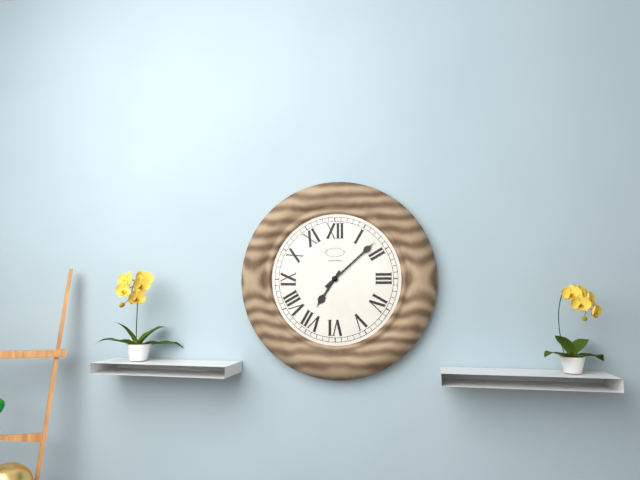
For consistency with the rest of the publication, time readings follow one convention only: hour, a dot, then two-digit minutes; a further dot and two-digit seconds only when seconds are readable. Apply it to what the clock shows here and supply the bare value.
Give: 7.08
